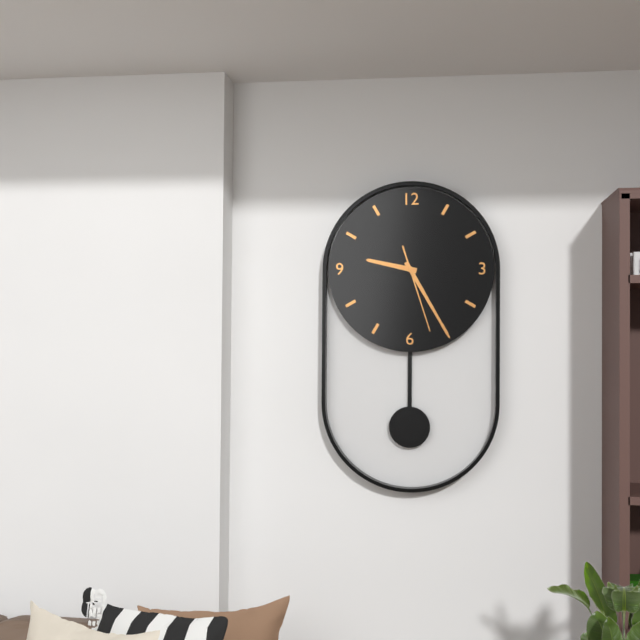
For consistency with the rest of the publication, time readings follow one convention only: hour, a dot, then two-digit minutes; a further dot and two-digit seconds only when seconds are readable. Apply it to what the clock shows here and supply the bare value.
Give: 9.25.27
